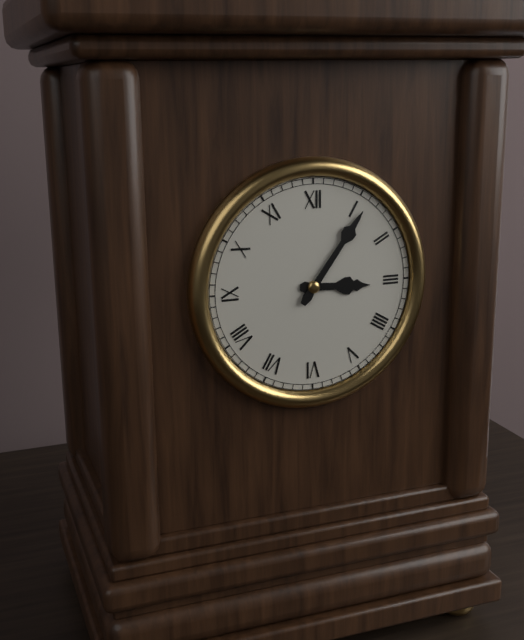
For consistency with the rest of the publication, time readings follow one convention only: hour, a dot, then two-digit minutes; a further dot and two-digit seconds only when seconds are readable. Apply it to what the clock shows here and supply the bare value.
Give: 3.06
